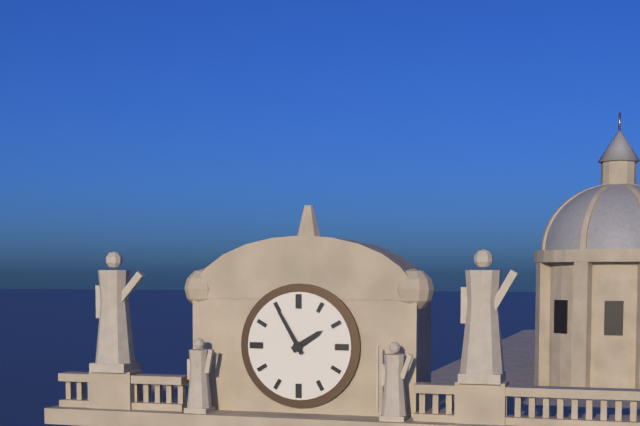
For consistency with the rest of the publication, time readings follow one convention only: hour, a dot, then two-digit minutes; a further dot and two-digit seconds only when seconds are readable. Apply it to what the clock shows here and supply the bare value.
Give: 1.55
